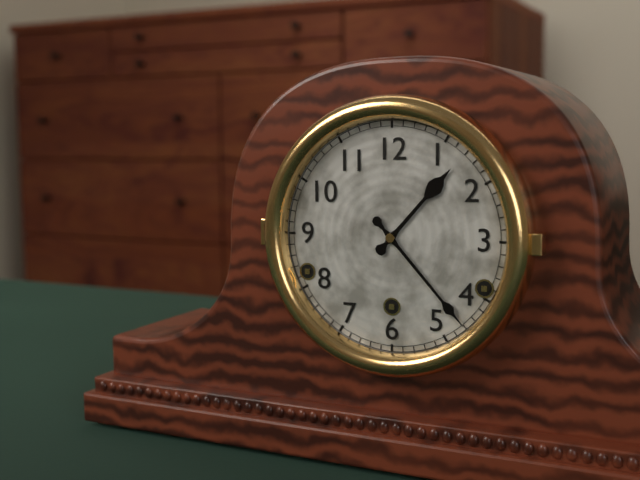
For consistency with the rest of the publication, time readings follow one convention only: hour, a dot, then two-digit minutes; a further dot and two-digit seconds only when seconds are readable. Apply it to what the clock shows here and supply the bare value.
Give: 1.23
